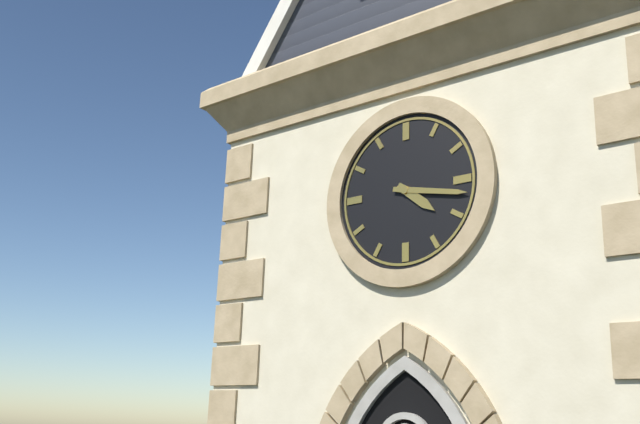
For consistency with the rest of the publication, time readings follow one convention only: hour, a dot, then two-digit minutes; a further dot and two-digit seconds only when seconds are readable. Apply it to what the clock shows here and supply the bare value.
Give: 4.17
